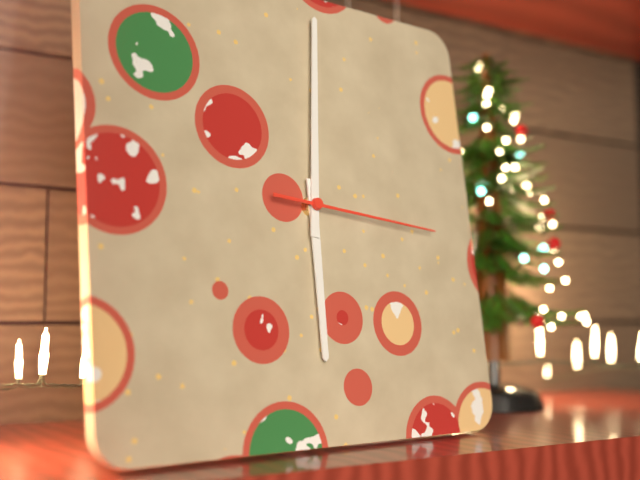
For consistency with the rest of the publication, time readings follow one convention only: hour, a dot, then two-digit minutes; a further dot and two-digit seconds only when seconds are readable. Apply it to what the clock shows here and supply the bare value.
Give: 6.01.16
